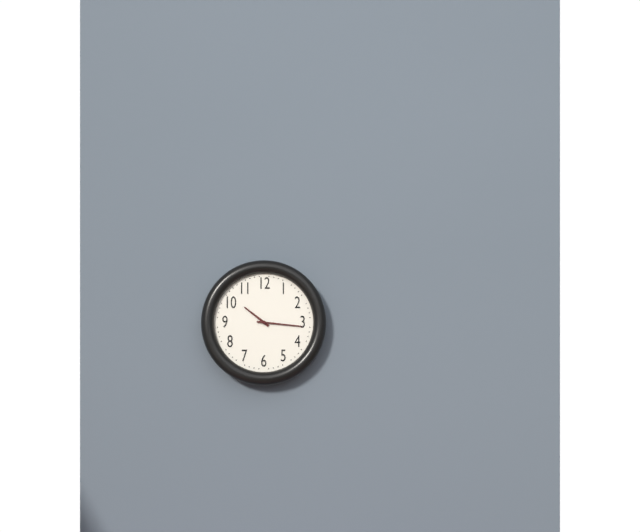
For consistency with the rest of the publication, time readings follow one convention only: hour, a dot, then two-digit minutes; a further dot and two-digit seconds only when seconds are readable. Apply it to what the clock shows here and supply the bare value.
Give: 10.16
